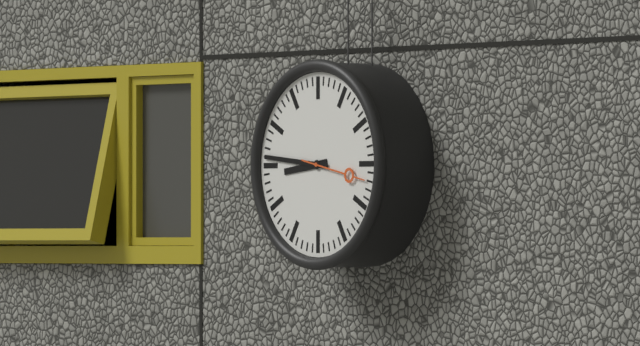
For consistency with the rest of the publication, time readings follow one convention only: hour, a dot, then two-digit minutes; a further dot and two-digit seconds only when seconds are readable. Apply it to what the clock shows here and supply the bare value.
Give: 8.46.17
